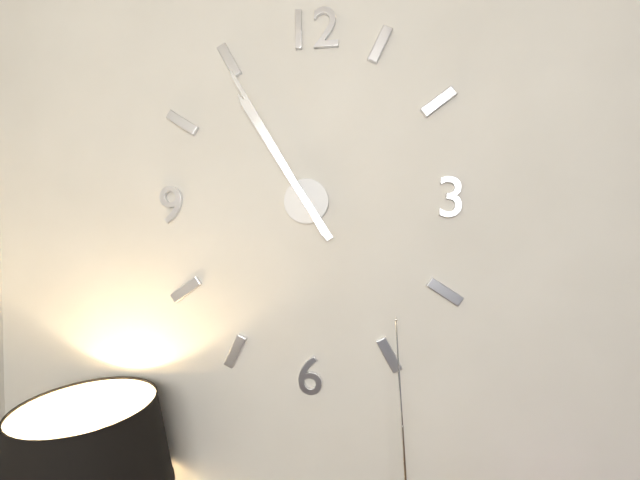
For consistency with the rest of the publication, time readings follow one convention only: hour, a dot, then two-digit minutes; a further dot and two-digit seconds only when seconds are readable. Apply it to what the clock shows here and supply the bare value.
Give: 10.55
